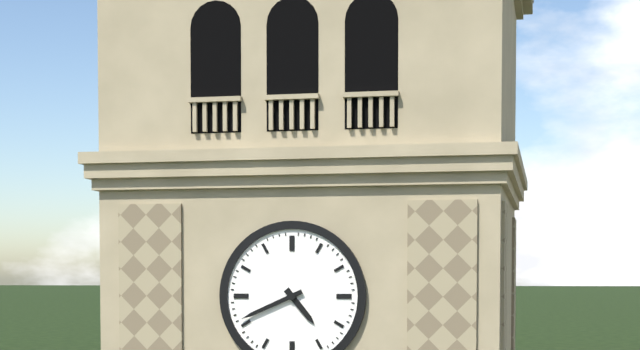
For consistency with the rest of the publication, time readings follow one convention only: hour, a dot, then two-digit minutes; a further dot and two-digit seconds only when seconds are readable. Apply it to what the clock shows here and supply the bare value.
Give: 4.41
